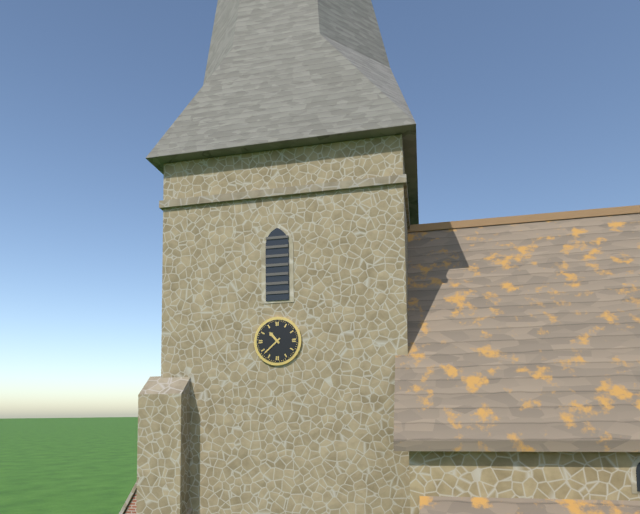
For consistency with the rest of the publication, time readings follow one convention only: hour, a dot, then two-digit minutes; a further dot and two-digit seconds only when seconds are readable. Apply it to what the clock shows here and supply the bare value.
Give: 10.38
